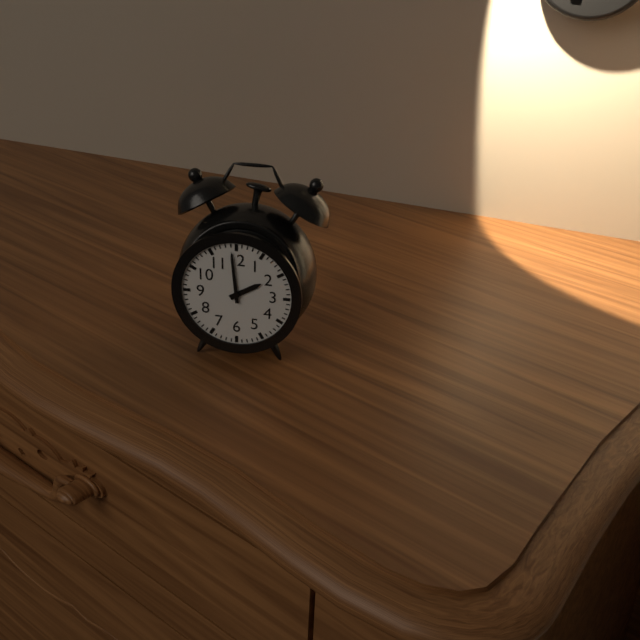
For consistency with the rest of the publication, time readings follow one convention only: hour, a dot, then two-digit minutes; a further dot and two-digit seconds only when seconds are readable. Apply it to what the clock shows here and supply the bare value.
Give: 1.59
